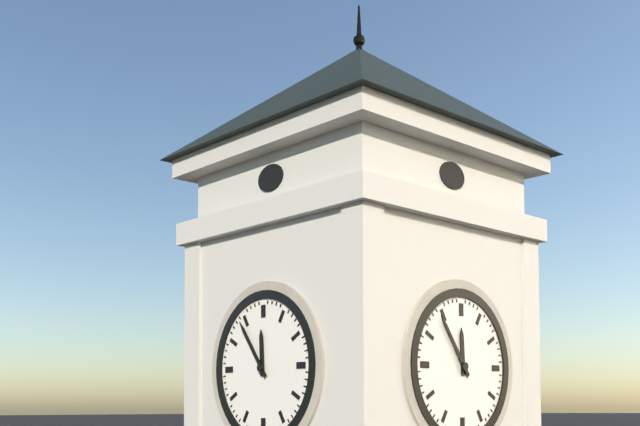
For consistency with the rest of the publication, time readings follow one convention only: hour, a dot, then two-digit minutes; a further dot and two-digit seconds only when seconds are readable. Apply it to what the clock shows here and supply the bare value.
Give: 11.54
